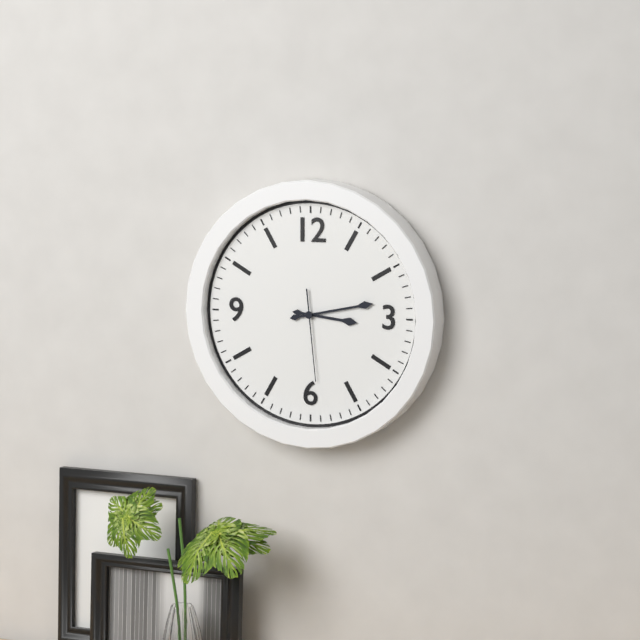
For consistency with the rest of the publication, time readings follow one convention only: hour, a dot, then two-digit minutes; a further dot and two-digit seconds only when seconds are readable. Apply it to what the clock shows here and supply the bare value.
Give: 3.13.29
